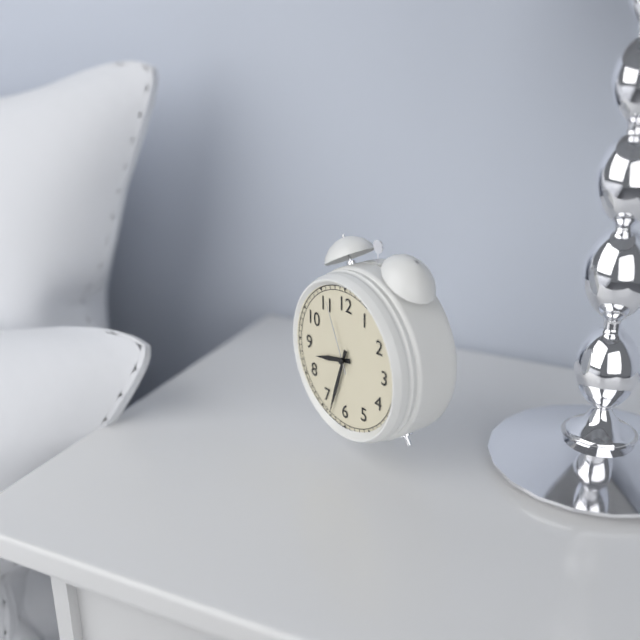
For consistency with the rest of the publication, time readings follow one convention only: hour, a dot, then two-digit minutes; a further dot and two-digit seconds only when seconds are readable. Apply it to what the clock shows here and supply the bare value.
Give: 8.33.56
